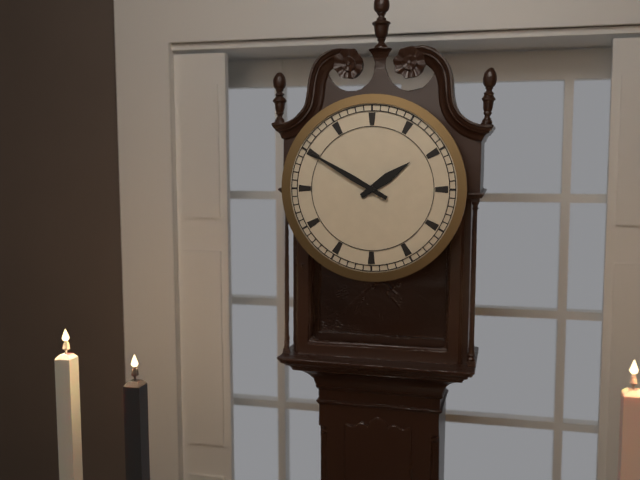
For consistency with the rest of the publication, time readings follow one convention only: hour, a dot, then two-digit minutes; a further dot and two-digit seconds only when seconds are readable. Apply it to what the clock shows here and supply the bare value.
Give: 1.50
